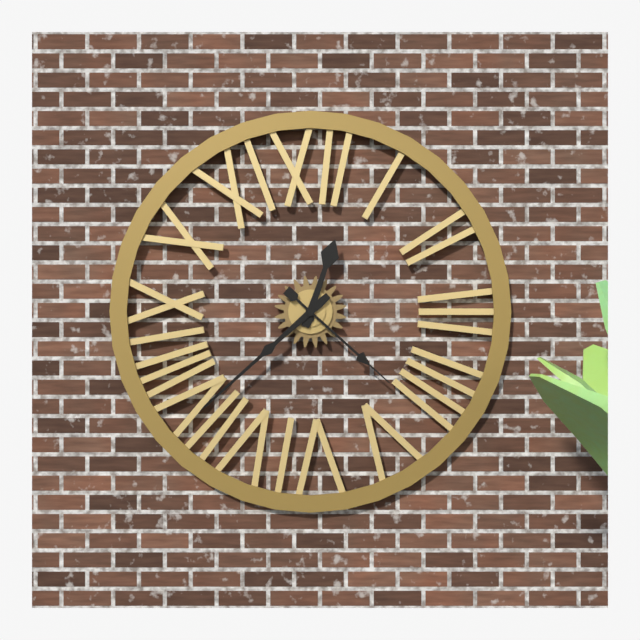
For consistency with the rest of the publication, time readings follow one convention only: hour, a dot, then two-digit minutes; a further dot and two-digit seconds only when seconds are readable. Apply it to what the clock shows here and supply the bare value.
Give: 12.38.22
